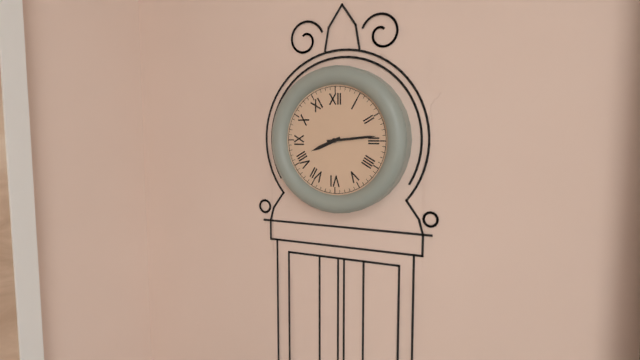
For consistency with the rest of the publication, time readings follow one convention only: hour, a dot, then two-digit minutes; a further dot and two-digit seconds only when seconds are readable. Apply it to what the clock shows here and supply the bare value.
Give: 8.14
